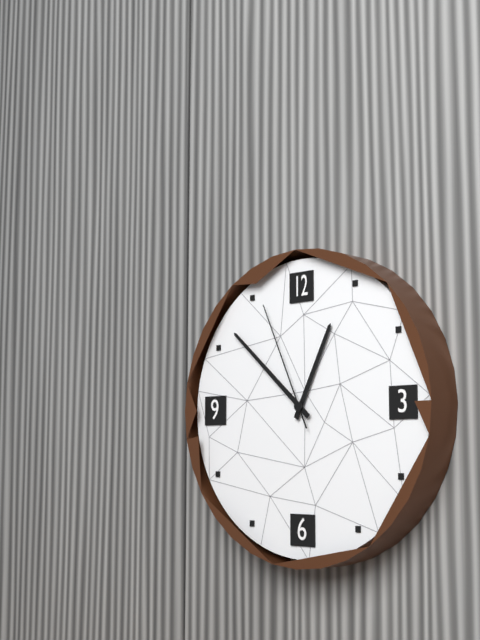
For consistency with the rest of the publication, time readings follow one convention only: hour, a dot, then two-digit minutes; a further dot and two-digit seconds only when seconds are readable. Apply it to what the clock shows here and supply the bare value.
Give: 12.52.56
